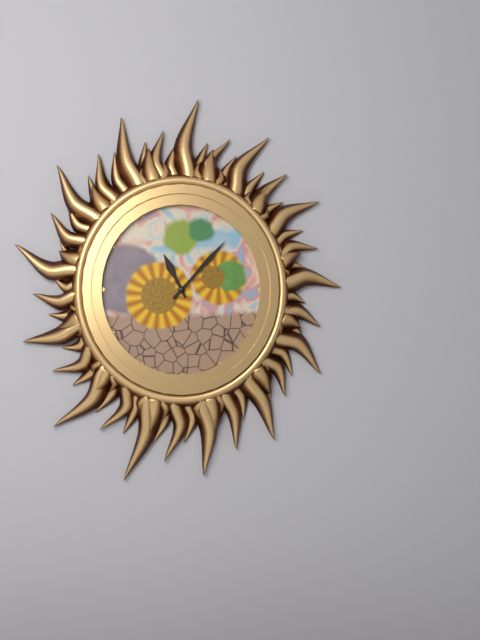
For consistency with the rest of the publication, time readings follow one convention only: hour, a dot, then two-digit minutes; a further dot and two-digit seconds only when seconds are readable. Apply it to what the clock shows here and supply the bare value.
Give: 11.07
